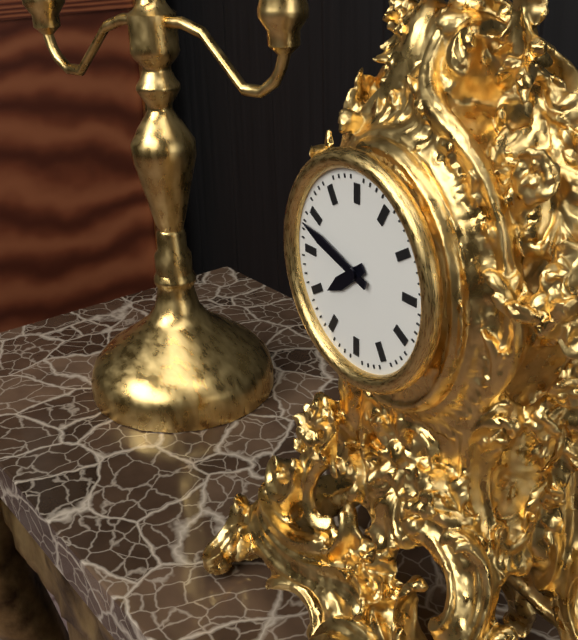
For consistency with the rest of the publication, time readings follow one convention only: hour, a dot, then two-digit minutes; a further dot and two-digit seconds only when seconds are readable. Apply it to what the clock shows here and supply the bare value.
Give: 7.48
